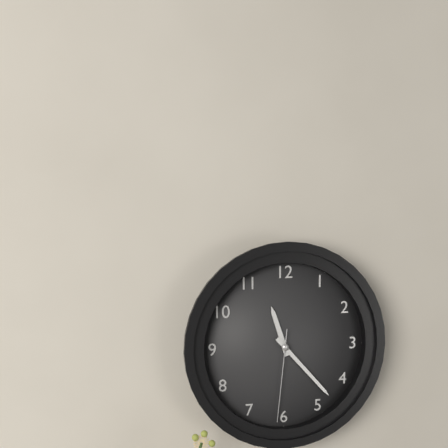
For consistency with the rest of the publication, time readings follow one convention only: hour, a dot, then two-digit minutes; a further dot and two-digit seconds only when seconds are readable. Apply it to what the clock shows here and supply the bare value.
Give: 11.23.31
